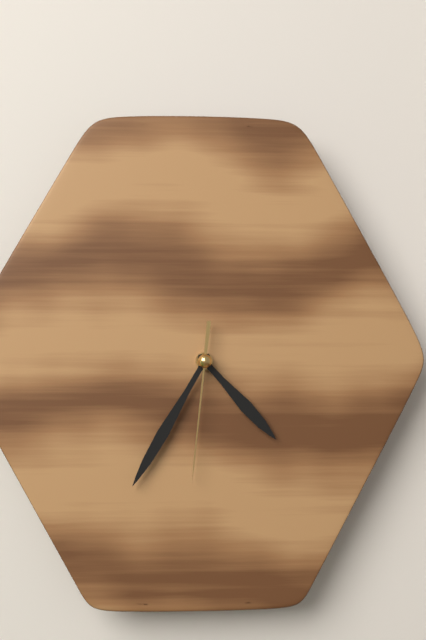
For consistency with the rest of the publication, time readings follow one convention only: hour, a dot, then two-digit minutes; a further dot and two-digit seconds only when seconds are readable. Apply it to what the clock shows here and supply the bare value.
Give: 4.35.31
